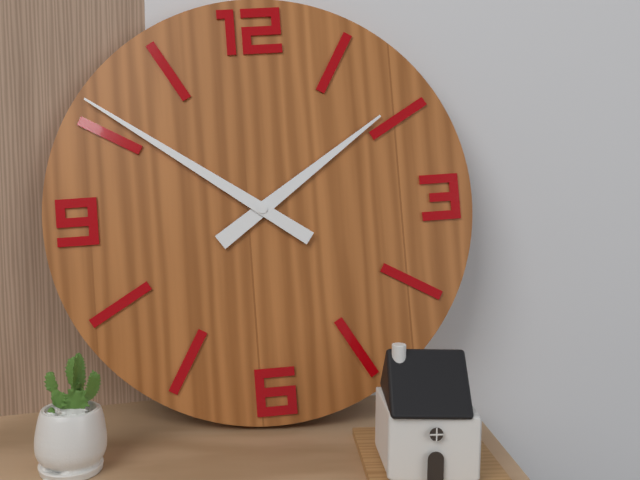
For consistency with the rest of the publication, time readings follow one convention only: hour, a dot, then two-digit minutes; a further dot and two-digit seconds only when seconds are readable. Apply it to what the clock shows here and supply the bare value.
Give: 1.51
